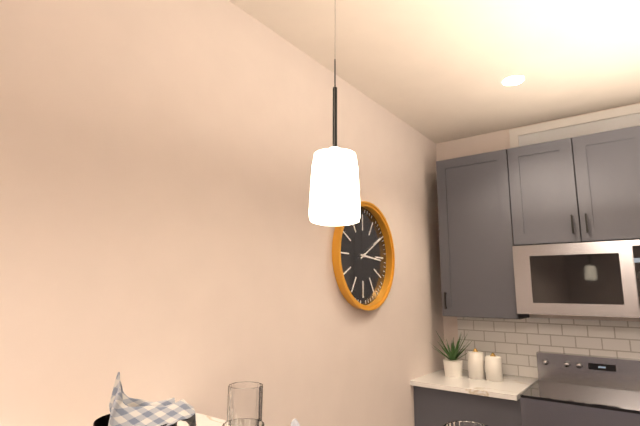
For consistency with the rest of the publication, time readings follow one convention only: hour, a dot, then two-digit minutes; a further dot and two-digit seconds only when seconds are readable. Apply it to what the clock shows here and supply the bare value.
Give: 3.10
